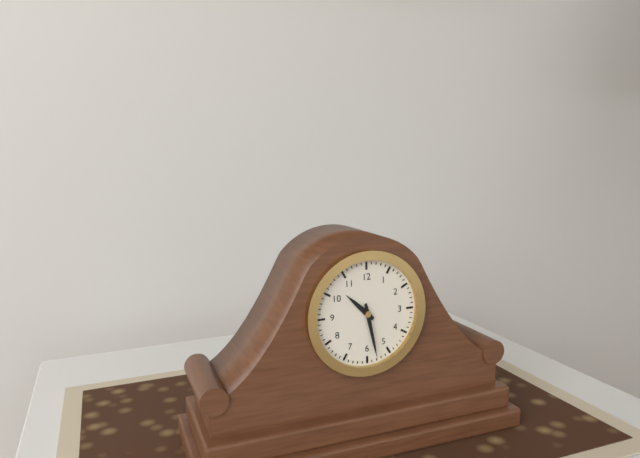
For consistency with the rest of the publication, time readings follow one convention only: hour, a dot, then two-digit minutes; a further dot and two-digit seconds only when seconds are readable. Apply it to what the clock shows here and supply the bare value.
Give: 10.28
